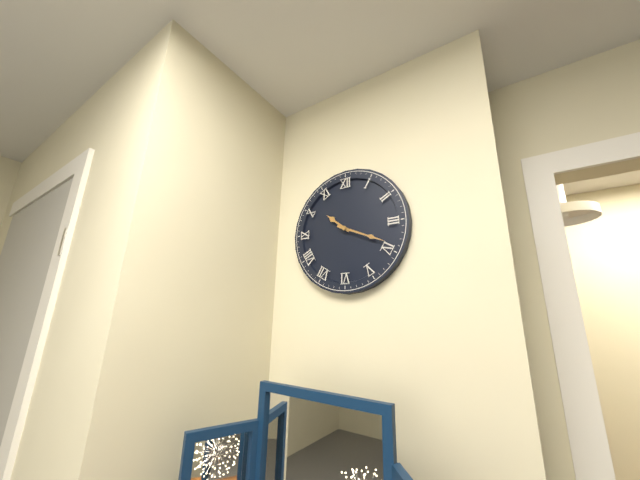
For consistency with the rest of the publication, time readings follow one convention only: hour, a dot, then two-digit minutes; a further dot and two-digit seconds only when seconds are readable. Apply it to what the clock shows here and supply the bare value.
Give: 10.19
